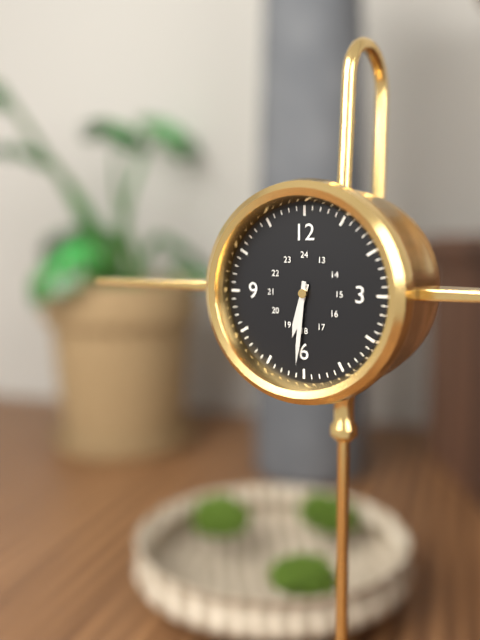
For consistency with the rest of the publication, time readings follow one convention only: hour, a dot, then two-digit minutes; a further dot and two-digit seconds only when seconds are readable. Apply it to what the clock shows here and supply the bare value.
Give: 6.31
